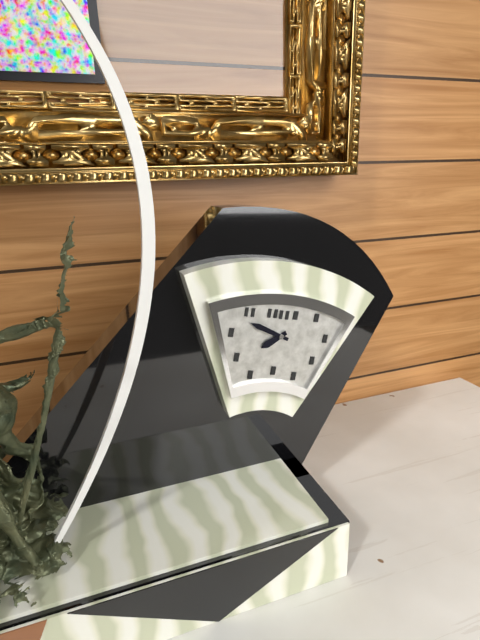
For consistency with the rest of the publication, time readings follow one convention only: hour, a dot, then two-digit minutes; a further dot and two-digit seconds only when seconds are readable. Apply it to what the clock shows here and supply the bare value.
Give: 7.48
